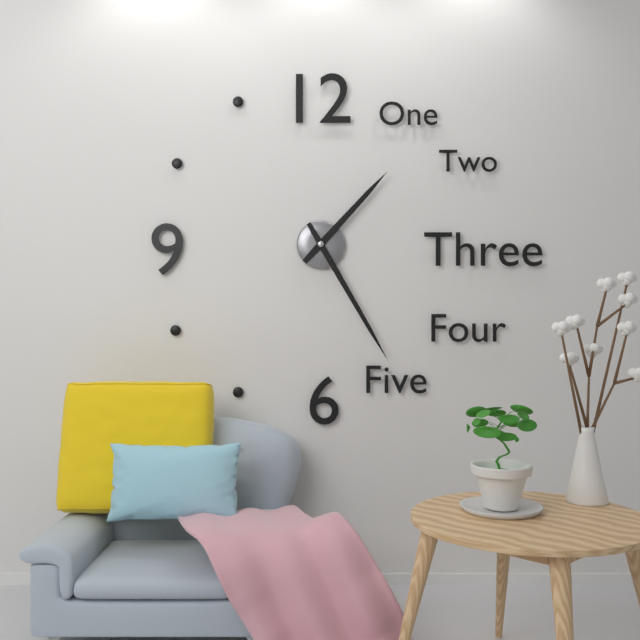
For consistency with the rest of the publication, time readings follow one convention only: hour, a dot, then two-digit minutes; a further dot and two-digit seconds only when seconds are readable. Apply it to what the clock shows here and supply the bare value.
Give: 1.25
